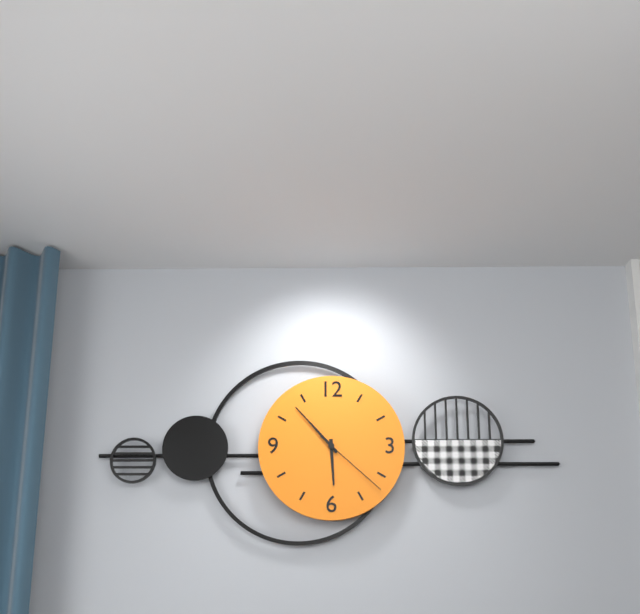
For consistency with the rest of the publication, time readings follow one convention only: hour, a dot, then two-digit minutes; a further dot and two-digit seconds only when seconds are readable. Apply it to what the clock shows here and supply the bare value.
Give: 5.53.22
